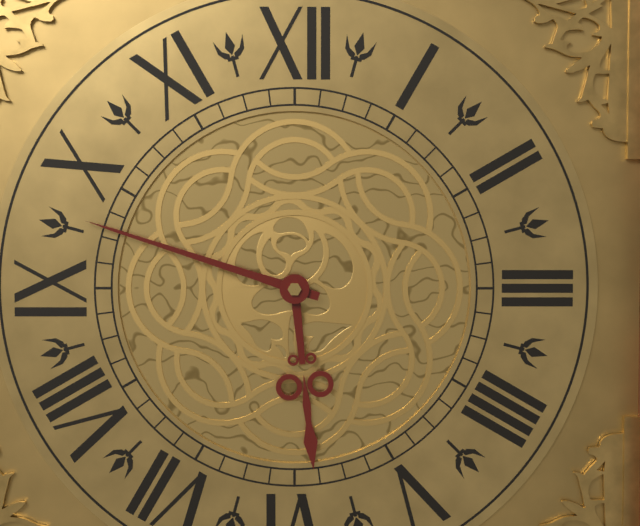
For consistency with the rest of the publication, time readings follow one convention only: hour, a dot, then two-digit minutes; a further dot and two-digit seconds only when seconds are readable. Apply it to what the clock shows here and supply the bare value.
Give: 5.48
